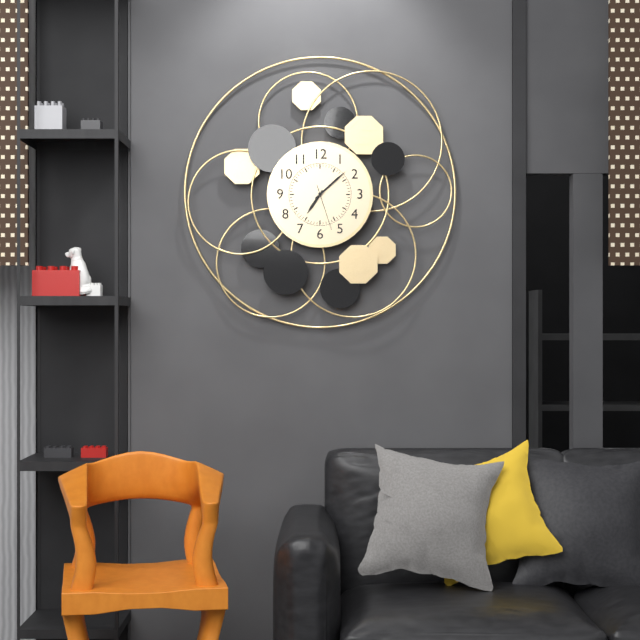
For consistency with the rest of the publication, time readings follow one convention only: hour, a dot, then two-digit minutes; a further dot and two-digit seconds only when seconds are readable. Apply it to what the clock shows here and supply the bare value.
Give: 7.08
